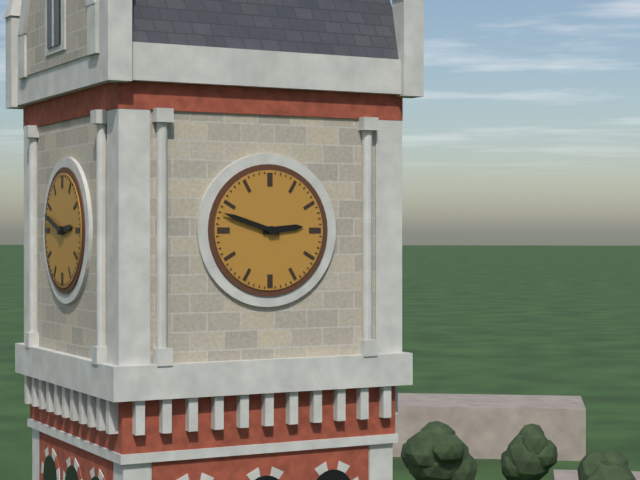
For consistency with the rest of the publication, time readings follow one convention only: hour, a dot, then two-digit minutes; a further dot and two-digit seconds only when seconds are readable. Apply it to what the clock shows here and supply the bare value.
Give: 2.48
